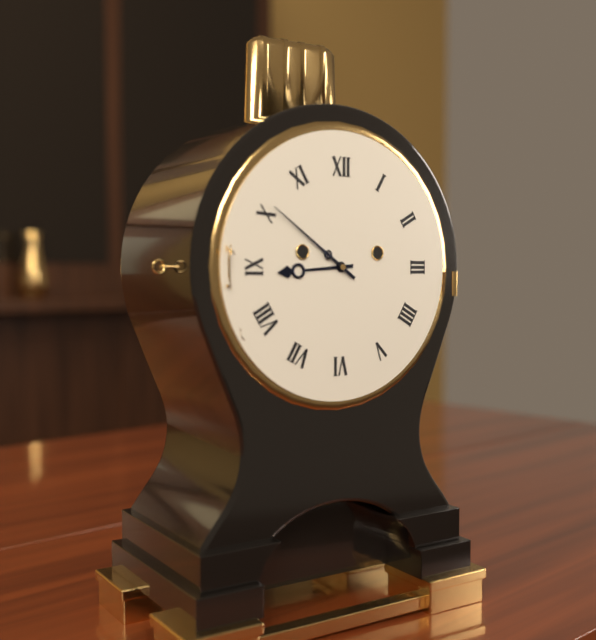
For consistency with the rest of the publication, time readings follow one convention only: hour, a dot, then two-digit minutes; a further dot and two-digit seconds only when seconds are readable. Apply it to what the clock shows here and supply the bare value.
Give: 8.51
